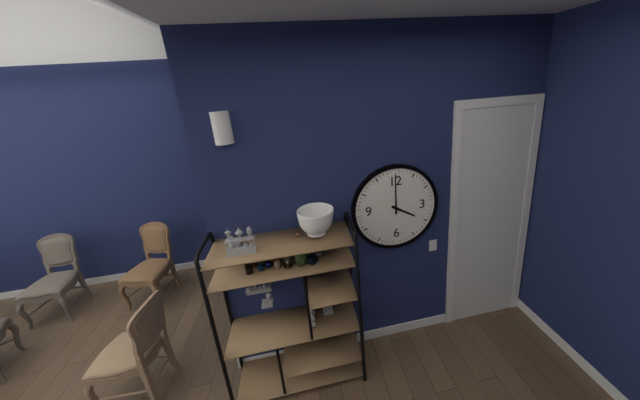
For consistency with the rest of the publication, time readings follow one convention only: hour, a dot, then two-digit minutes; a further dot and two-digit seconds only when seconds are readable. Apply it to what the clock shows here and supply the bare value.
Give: 4.00
